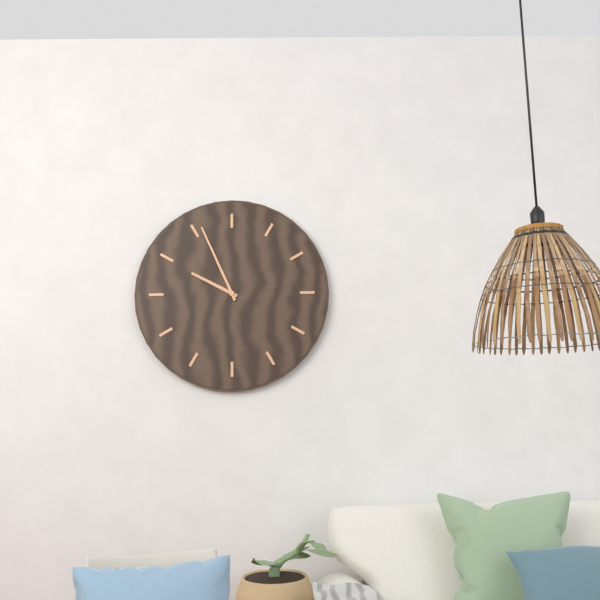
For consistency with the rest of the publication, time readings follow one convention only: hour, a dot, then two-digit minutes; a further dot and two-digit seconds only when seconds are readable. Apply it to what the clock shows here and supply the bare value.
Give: 9.56
